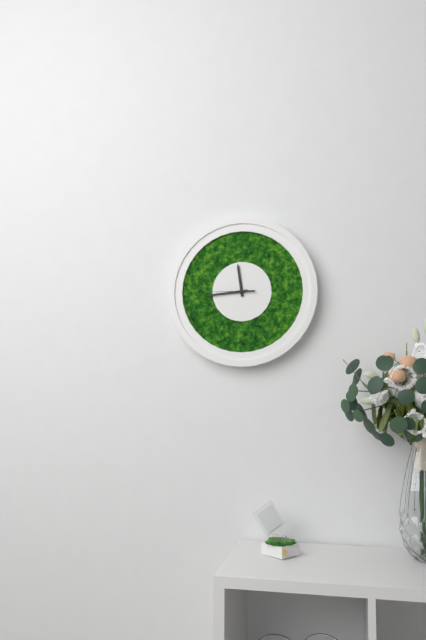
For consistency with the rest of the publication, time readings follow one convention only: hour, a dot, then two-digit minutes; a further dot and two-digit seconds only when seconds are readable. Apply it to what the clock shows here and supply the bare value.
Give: 11.44
